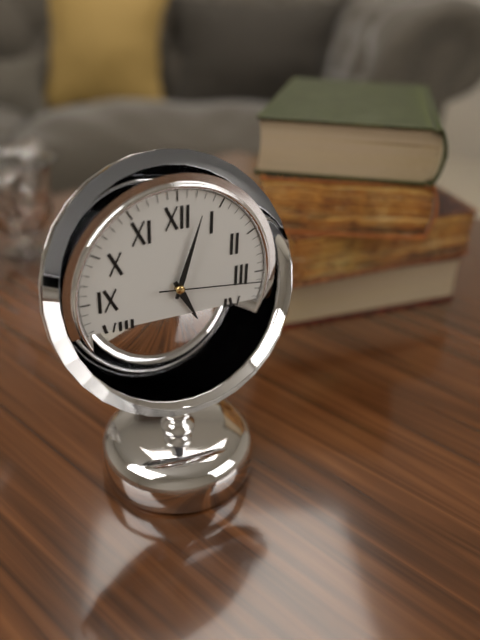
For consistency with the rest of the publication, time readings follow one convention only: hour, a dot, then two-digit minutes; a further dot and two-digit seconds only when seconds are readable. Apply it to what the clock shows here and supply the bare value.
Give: 5.03.16
